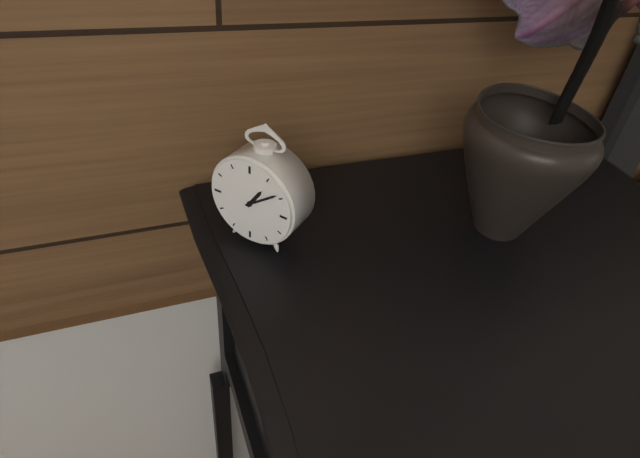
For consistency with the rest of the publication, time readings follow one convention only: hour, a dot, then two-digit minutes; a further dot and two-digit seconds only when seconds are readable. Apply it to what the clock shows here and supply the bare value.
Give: 1.09
